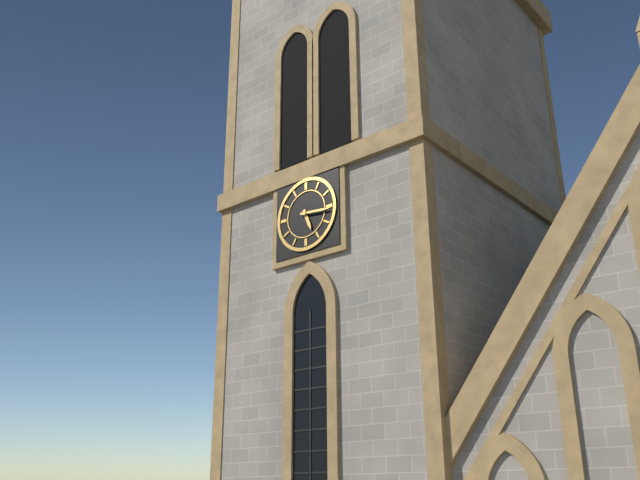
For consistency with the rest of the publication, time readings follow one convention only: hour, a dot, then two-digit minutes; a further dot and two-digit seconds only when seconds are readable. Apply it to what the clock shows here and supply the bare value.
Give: 5.16
